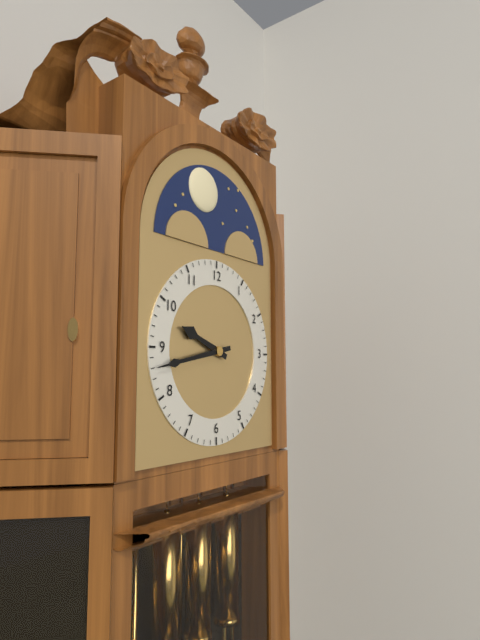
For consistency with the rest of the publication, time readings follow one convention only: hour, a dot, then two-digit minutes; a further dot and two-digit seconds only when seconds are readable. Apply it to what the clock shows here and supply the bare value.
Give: 9.43
